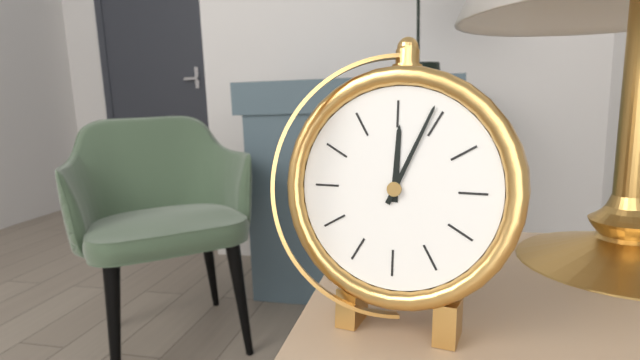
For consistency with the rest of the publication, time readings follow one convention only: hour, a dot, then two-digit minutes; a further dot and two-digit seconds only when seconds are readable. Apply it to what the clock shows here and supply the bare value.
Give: 12.04
